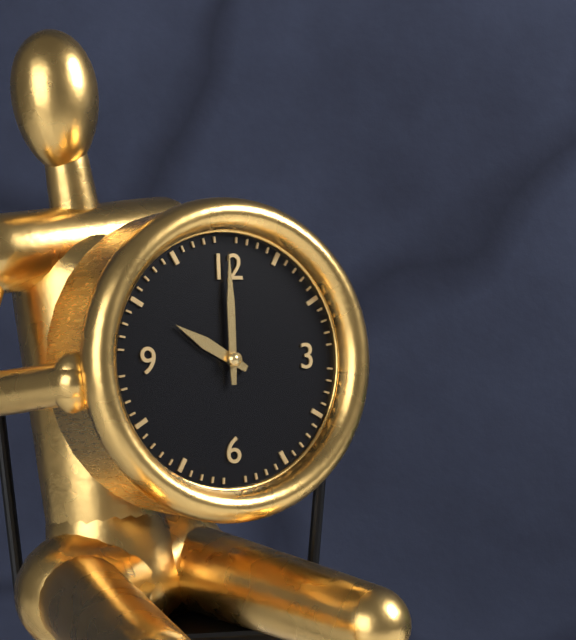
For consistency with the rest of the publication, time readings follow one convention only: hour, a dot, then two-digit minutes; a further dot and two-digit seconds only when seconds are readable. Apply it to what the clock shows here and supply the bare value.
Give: 10.00
